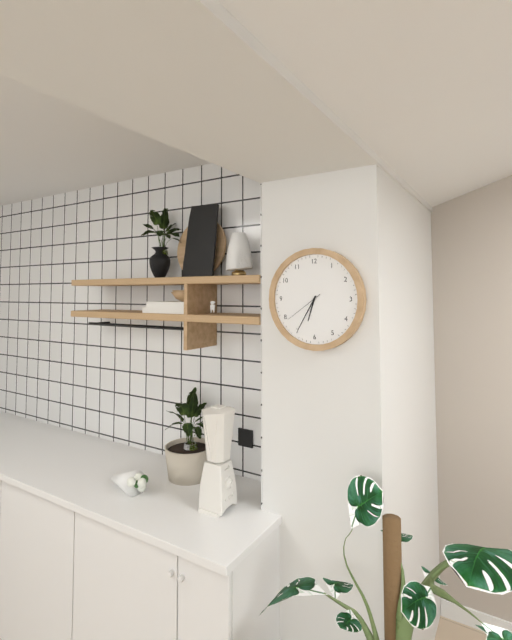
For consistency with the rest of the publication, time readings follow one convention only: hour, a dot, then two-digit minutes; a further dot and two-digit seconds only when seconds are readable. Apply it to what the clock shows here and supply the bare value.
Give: 6.35
